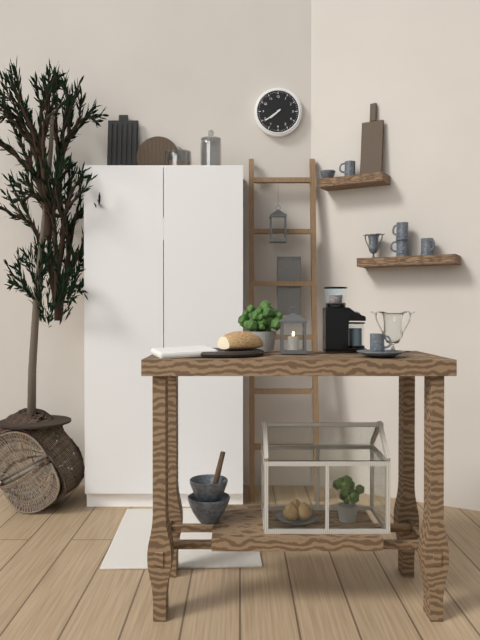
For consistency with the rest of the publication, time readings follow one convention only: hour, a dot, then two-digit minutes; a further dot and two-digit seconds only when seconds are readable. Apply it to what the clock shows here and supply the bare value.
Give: 7.39
